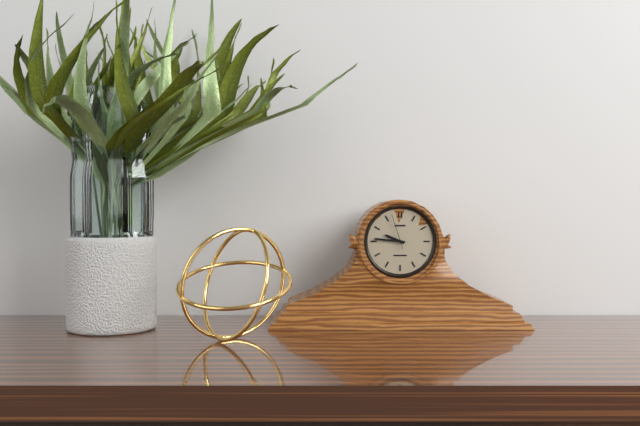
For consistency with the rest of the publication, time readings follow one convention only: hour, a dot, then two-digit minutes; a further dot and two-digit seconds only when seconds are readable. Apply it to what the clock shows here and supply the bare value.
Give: 9.46
